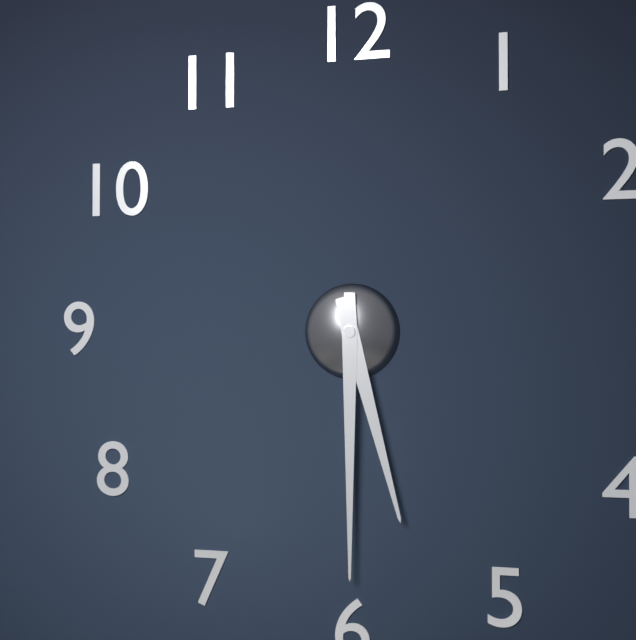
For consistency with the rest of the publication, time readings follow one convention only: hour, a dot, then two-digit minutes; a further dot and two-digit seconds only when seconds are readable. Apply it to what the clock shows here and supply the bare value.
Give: 5.30
